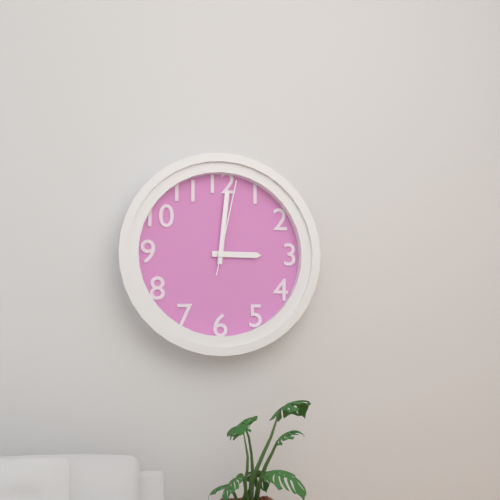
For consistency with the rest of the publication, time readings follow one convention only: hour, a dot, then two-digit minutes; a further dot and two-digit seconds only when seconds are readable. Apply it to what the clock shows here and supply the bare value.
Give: 3.01.02
